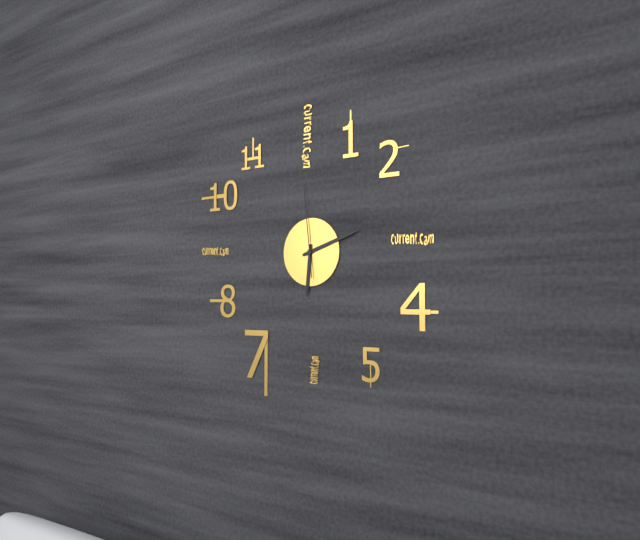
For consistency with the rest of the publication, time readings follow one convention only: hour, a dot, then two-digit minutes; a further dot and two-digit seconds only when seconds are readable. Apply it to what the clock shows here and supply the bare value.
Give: 6.12.59
